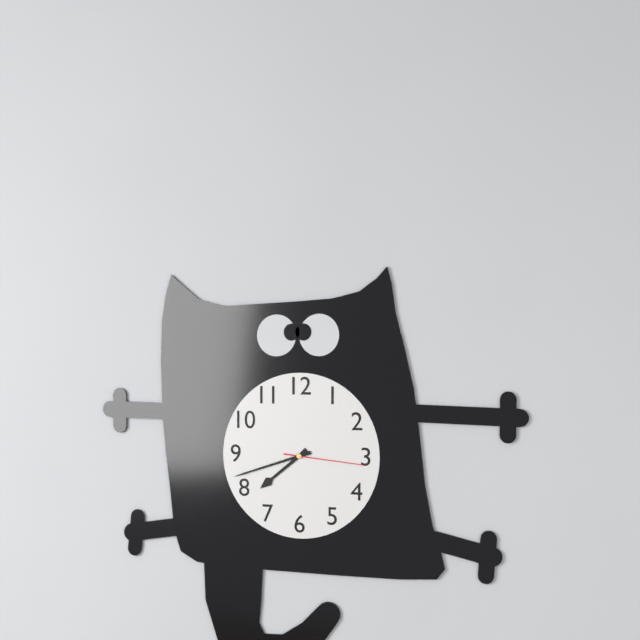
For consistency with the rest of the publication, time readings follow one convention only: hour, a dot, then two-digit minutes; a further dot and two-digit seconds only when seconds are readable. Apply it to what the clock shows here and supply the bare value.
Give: 7.42.16
